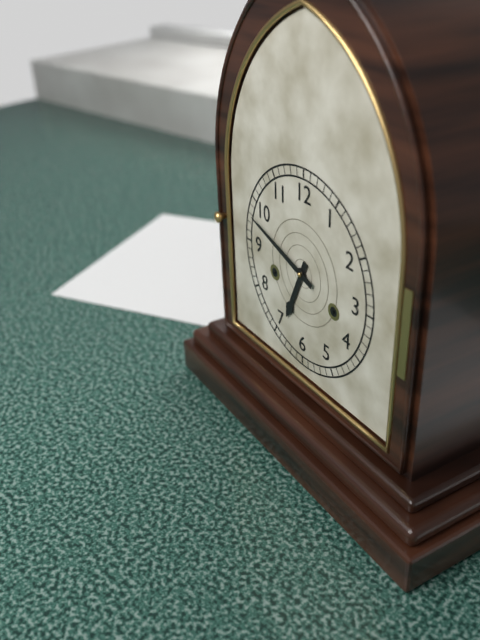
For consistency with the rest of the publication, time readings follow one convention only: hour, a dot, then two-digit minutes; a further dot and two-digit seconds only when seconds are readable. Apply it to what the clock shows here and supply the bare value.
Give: 6.48
